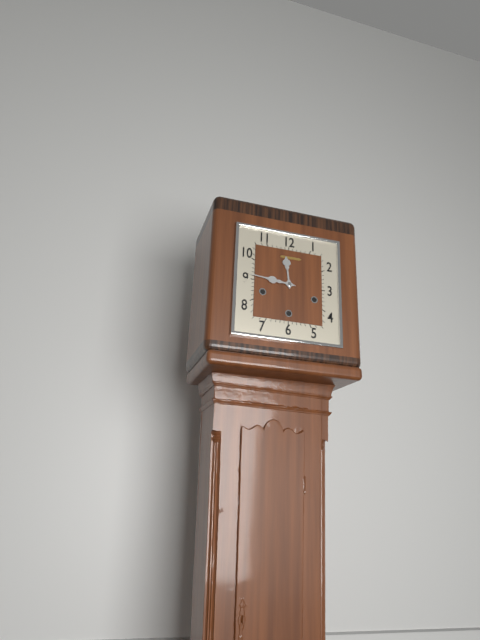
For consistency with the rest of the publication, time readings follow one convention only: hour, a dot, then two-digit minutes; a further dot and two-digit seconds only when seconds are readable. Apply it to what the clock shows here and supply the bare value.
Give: 11.46
